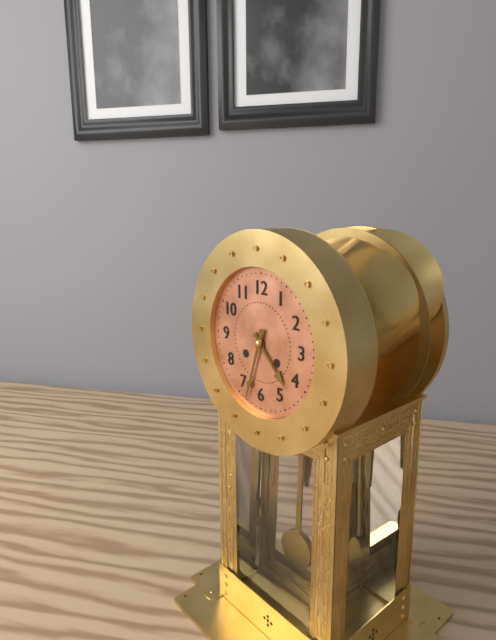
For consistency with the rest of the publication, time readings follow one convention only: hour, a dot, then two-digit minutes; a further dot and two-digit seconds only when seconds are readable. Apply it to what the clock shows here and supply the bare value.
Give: 4.33
